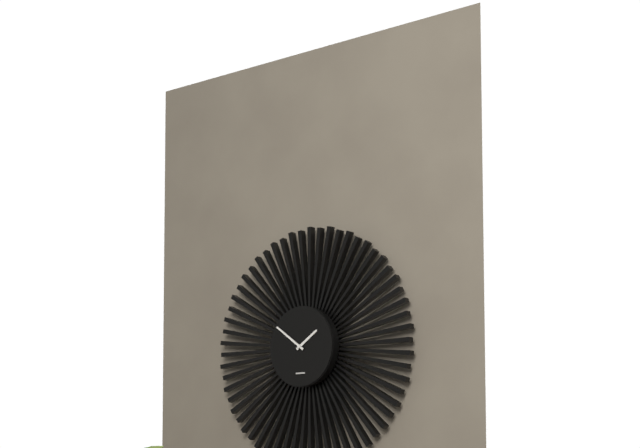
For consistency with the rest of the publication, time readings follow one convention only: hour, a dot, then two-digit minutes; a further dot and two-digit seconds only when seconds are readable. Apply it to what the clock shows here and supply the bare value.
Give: 1.51
